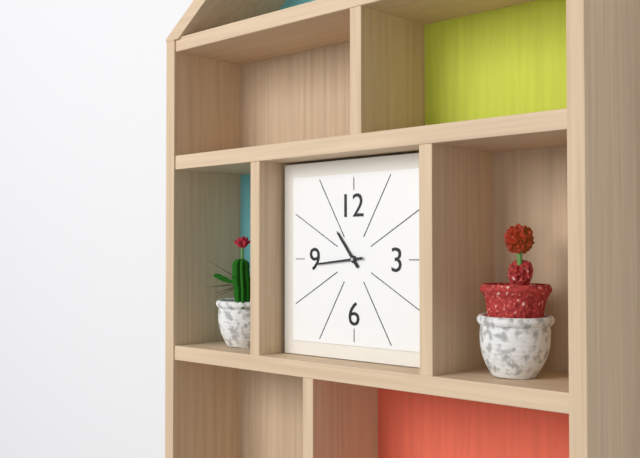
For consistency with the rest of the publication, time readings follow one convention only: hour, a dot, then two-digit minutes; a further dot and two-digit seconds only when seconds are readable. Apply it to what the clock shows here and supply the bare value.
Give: 10.44
